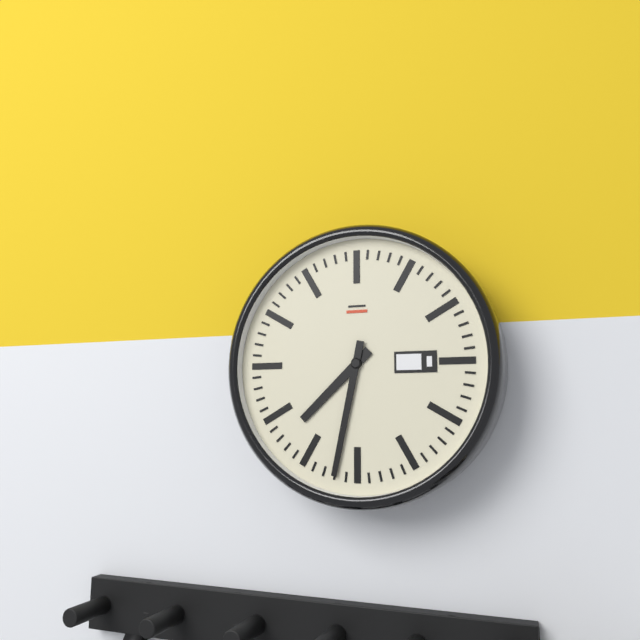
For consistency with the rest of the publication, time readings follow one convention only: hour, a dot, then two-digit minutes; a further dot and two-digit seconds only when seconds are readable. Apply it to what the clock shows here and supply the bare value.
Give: 7.32
